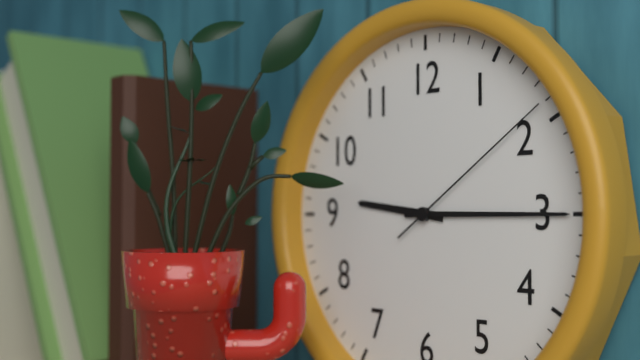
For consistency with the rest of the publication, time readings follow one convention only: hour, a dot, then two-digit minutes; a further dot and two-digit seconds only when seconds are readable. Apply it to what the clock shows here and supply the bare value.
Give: 9.15.09
